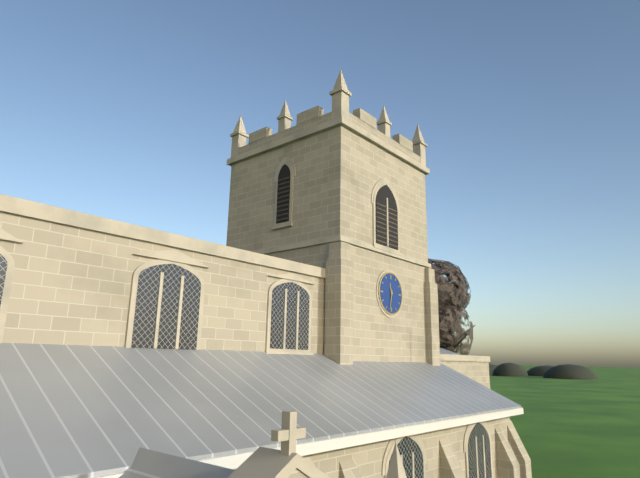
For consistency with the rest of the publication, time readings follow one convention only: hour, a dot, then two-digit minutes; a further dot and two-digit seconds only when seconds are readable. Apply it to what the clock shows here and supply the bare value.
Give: 11.32
